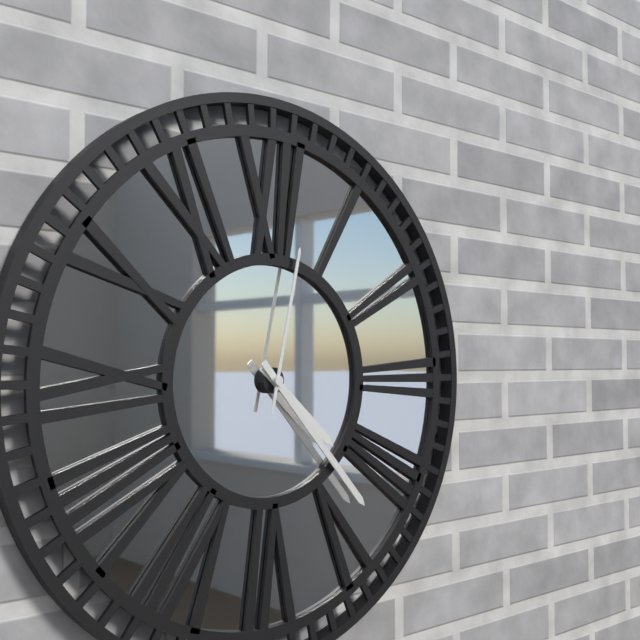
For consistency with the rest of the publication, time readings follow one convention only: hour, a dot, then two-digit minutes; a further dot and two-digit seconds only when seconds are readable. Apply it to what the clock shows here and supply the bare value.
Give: 4.23.02
